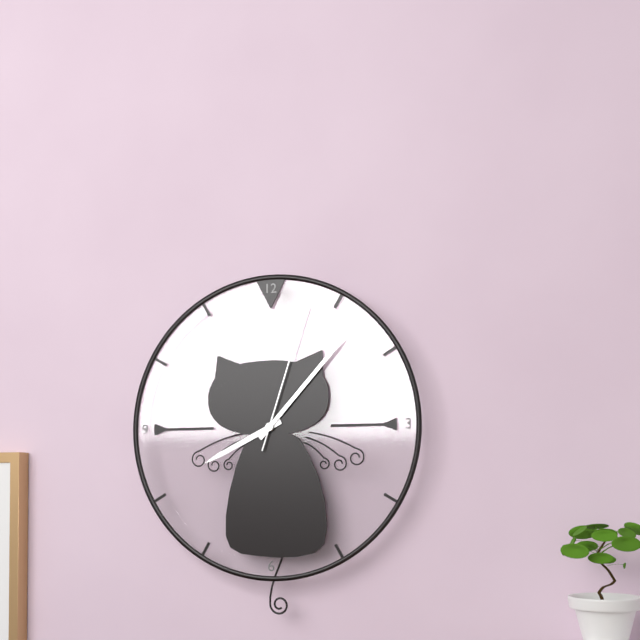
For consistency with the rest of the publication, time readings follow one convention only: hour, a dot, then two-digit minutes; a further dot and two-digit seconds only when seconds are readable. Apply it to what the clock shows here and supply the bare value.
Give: 8.07.03
